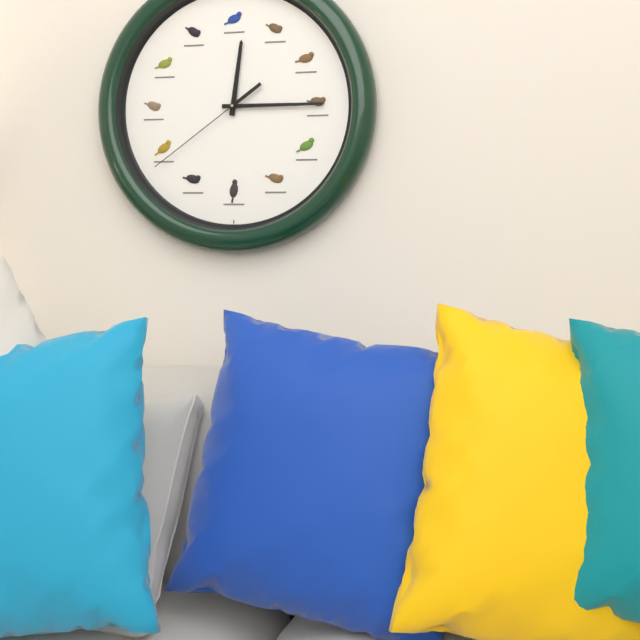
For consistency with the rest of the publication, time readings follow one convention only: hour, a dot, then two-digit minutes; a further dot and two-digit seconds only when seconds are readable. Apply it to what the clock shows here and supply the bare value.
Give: 12.15.39
